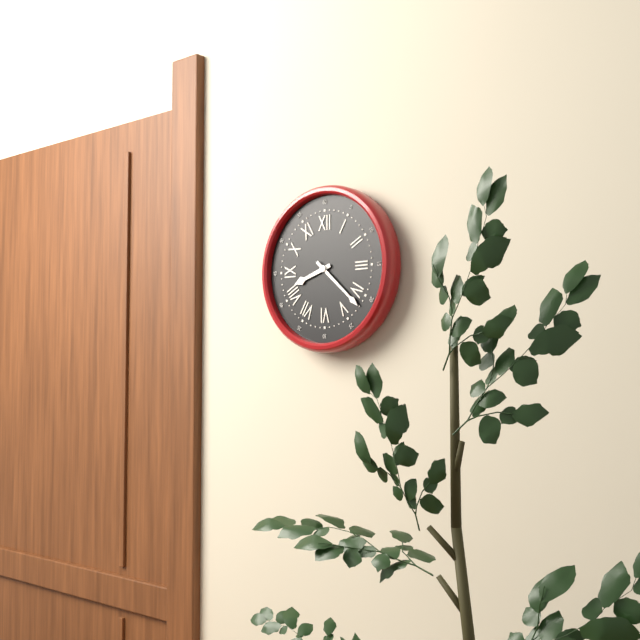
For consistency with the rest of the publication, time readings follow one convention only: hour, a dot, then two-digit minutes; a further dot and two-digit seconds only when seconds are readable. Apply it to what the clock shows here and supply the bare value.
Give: 8.22
